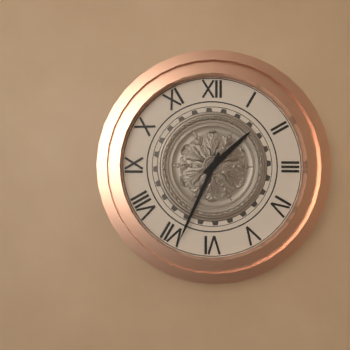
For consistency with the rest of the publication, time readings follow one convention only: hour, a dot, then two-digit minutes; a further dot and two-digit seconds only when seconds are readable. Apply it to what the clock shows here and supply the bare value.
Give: 1.34
